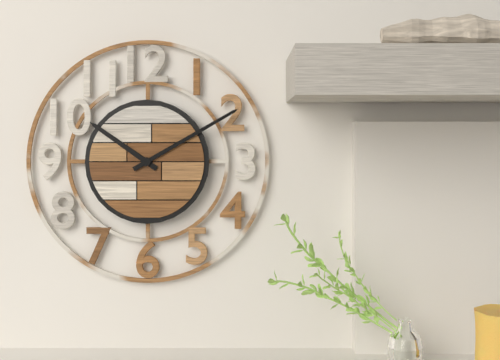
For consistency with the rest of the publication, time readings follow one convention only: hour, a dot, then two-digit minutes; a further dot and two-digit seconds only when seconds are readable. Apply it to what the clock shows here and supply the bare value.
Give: 10.10
